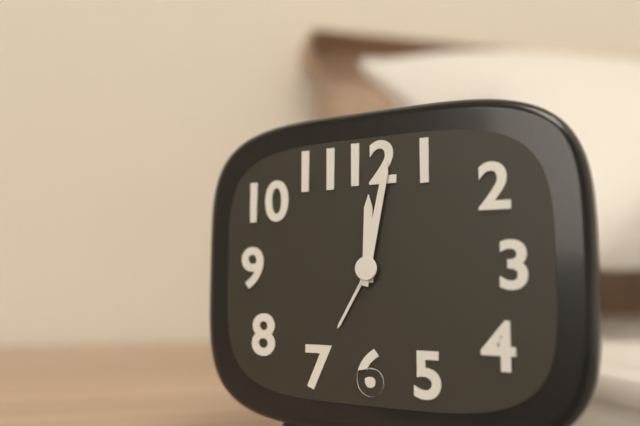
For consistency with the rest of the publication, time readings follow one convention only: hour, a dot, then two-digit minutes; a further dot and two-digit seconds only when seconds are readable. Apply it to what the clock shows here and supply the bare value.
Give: 12.02
